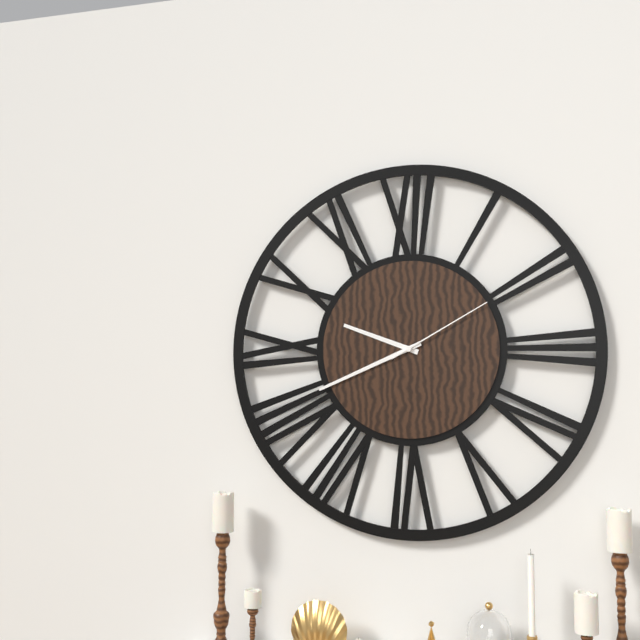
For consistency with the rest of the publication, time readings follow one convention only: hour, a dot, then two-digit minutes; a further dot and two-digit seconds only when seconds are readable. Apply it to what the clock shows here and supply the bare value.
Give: 9.41.10
